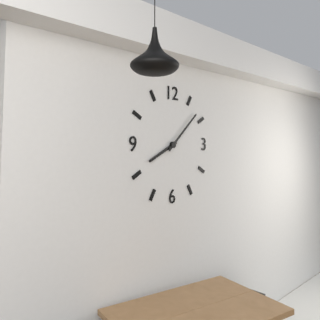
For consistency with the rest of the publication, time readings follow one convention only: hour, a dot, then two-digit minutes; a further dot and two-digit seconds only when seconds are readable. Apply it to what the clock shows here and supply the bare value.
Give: 8.08
